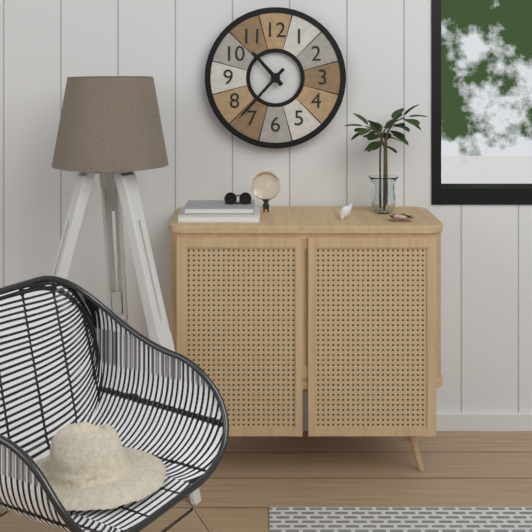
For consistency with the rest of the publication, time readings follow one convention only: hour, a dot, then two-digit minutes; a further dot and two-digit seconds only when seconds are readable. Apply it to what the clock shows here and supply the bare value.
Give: 10.37
